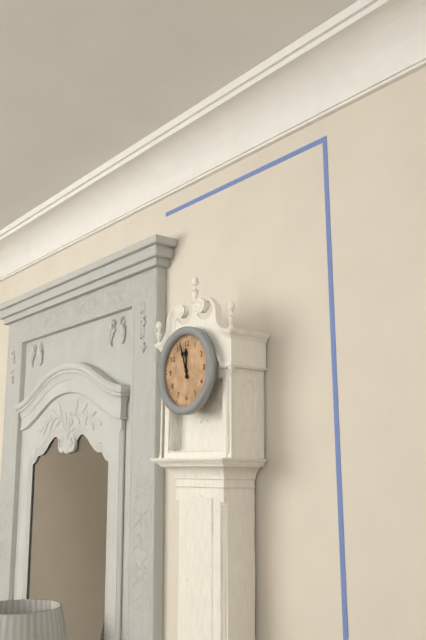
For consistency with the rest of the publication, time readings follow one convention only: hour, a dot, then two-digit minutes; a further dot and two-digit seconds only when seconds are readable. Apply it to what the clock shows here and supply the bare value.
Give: 11.57
